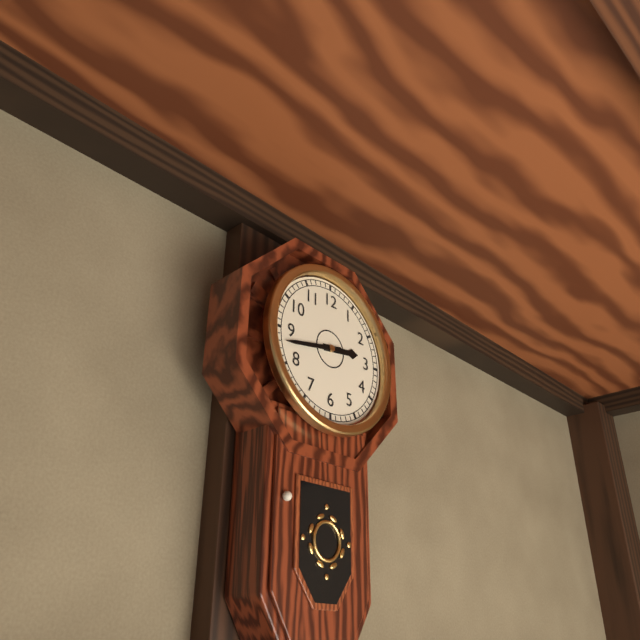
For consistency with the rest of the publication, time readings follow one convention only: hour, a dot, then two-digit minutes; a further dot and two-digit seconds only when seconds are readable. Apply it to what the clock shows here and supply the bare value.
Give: 2.43
